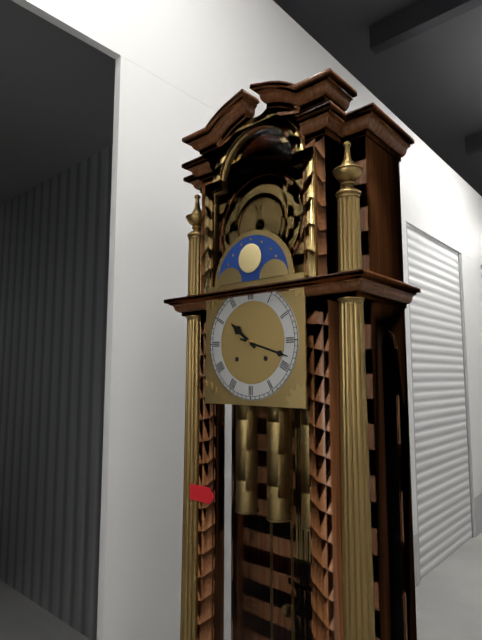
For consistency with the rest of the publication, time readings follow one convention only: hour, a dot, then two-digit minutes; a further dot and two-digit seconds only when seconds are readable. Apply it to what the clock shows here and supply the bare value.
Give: 10.18
